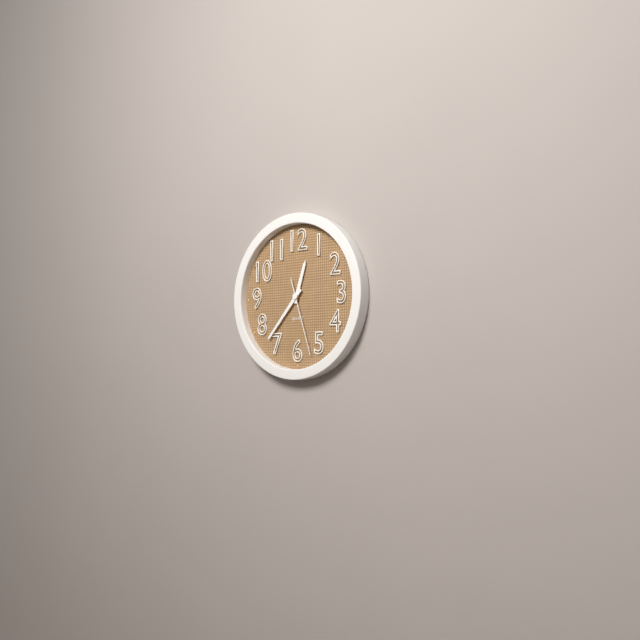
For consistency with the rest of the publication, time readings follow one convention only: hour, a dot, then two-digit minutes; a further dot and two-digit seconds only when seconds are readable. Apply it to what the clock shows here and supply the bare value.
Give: 12.37.27
